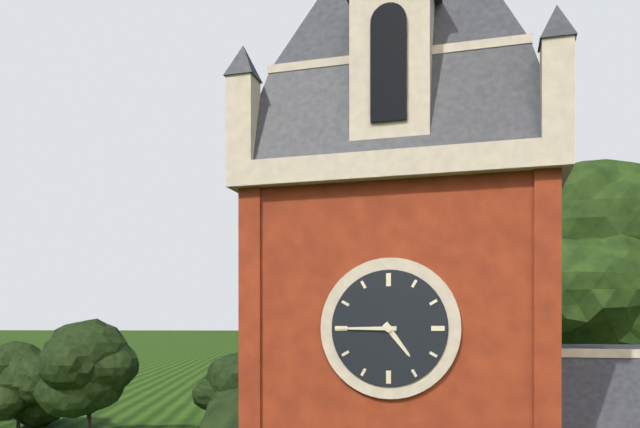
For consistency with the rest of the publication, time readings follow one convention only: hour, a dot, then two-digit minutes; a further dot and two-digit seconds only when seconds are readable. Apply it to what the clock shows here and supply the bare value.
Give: 4.45
